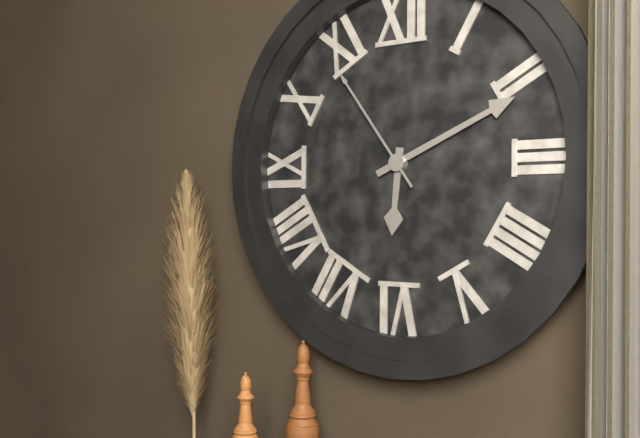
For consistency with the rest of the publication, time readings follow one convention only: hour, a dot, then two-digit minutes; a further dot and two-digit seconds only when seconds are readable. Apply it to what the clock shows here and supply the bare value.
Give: 6.11.54
